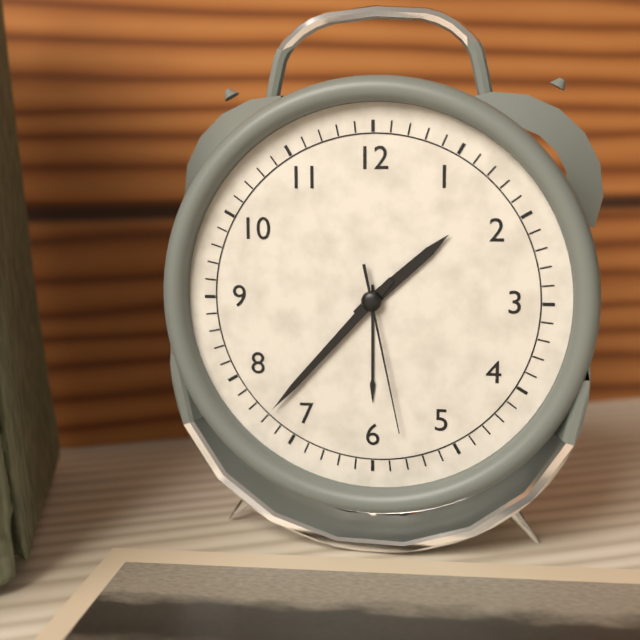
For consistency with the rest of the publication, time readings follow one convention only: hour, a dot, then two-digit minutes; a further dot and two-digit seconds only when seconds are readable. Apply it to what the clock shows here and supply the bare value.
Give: 1.37.28
